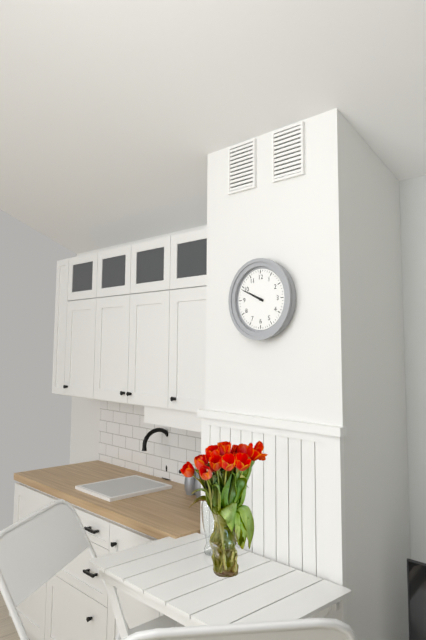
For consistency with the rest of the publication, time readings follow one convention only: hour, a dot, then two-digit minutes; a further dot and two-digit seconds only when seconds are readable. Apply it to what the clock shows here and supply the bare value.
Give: 9.49
